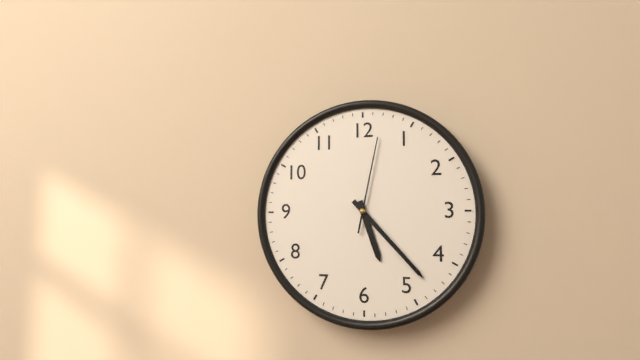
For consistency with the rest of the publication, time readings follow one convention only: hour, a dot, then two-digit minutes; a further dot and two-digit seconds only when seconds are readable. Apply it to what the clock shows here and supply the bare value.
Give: 5.23.02
